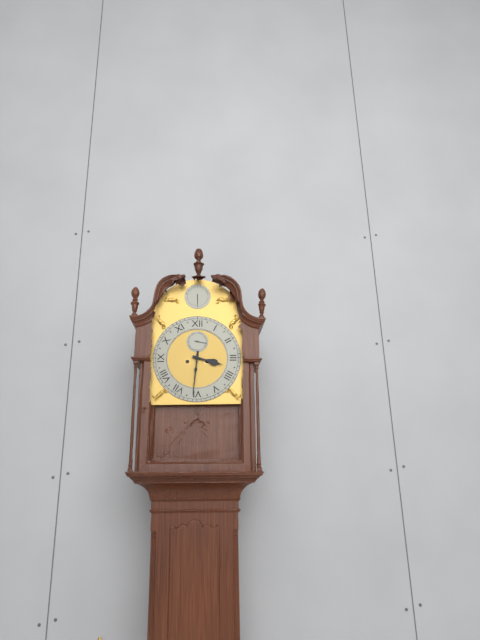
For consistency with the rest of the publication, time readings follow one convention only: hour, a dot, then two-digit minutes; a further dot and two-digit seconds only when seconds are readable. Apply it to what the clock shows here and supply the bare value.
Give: 3.31
